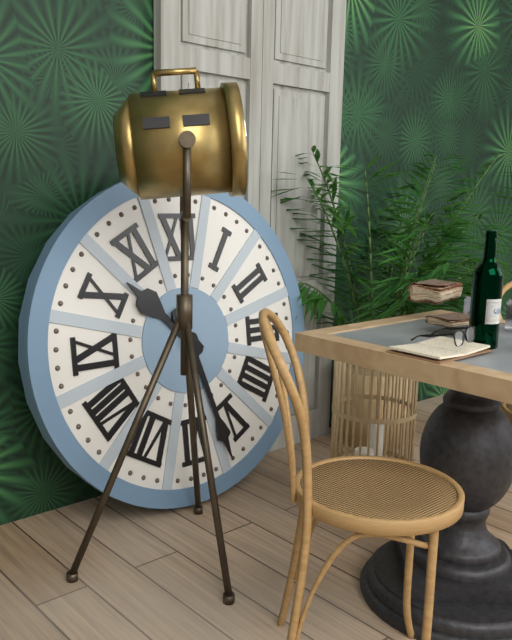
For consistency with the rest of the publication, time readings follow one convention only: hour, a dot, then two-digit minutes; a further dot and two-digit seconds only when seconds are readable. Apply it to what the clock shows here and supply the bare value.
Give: 10.27
